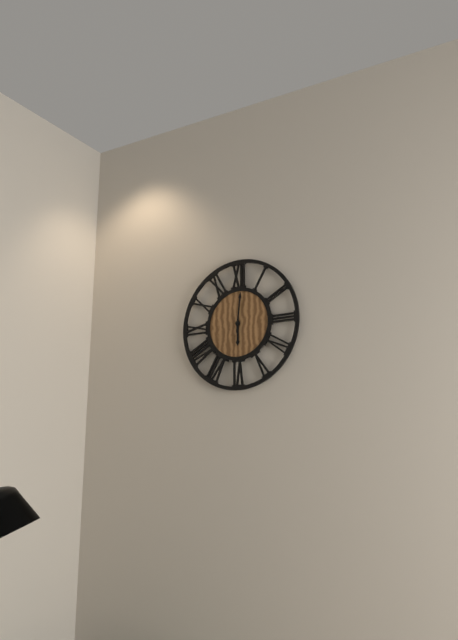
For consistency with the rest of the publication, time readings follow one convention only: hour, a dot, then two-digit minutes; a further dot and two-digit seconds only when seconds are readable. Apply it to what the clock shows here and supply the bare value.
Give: 6.01
